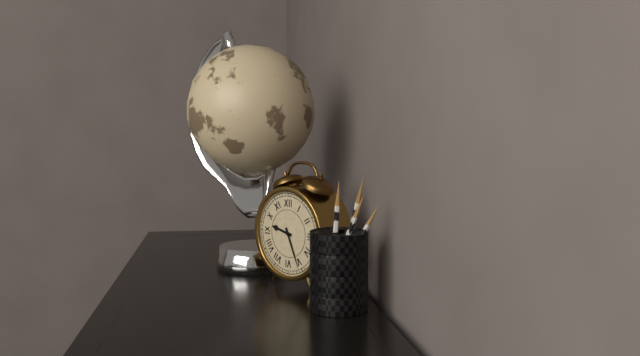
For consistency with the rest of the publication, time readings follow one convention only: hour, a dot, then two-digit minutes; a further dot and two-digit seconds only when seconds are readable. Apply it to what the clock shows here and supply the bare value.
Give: 9.26
